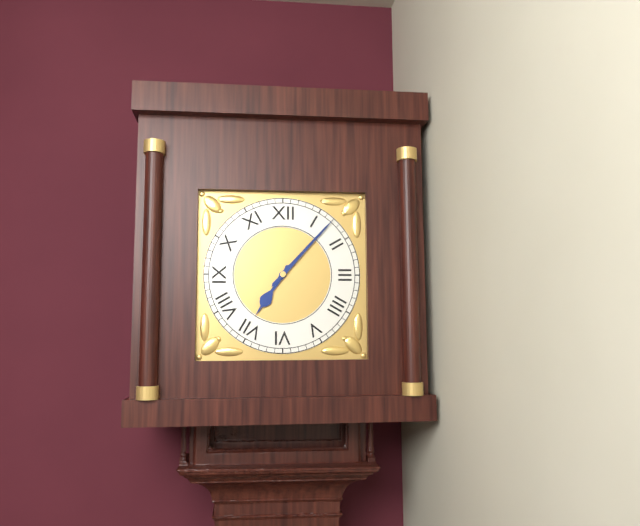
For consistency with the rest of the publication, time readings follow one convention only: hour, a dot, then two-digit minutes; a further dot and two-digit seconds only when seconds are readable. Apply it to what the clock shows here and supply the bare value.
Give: 7.07
